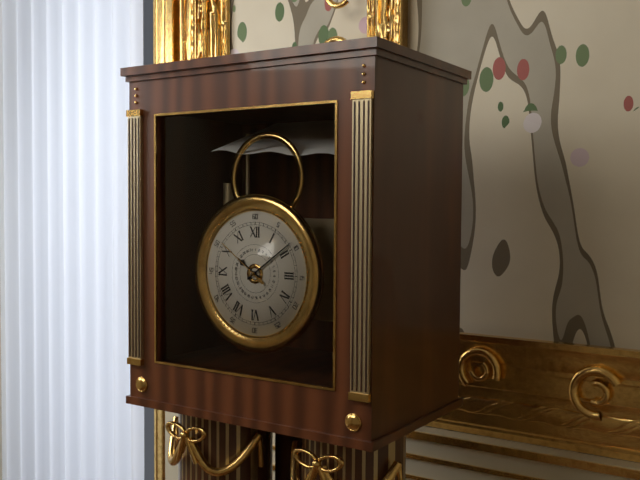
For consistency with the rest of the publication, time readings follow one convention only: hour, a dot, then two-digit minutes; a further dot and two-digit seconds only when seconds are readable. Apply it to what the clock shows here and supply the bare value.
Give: 10.09.51
